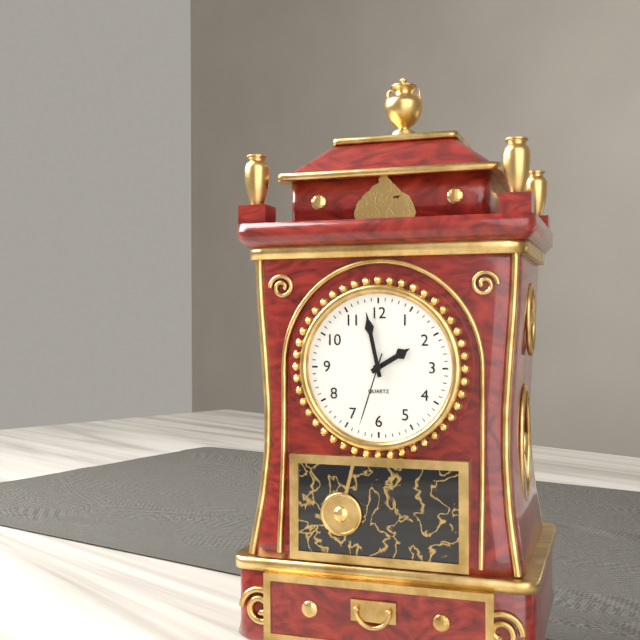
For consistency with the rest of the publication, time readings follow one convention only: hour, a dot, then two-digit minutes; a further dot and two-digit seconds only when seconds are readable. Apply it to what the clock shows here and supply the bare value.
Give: 1.58.33
